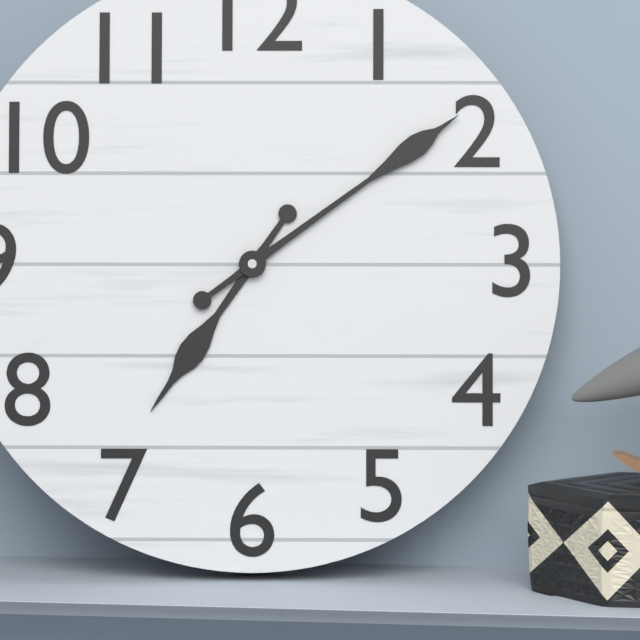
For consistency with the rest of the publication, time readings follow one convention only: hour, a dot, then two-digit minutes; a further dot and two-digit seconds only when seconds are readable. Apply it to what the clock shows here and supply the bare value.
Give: 7.09
